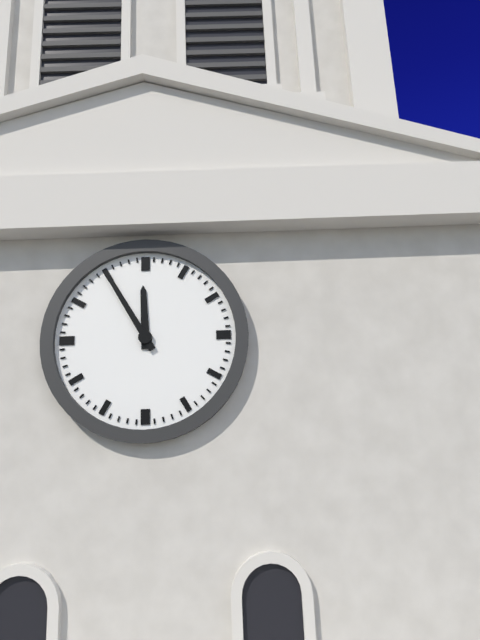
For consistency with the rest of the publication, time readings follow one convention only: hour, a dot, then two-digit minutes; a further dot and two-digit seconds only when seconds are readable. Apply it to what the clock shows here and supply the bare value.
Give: 11.55
